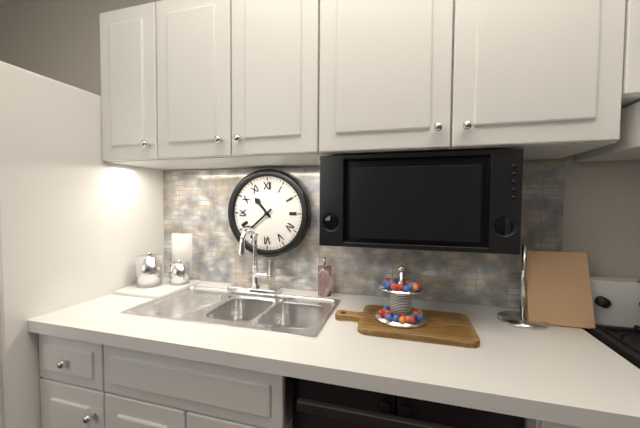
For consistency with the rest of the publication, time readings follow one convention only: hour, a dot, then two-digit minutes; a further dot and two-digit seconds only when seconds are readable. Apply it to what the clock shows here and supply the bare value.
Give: 10.38
